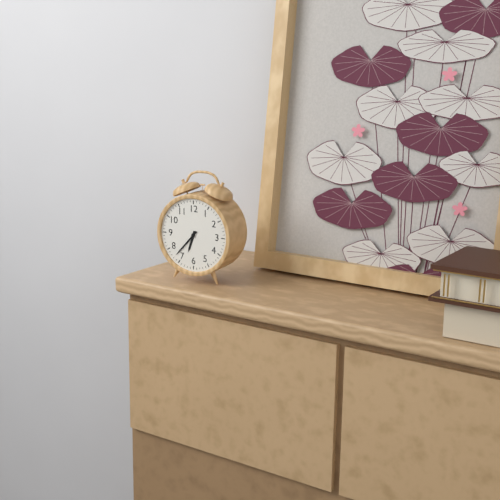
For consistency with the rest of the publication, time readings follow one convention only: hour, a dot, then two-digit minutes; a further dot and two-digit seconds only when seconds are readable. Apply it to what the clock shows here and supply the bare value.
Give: 6.37
